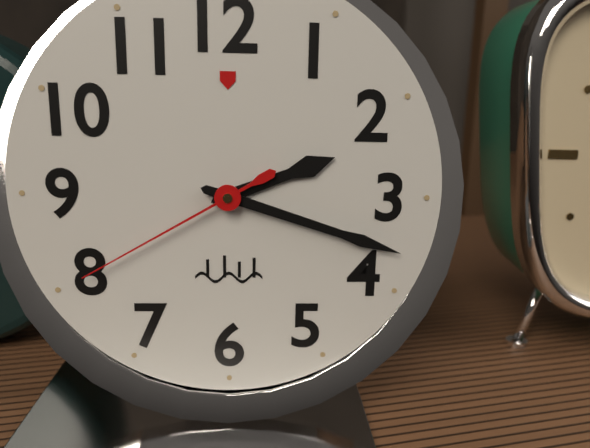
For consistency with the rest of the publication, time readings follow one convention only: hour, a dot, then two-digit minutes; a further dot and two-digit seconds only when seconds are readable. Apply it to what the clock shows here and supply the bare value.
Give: 2.18.40
